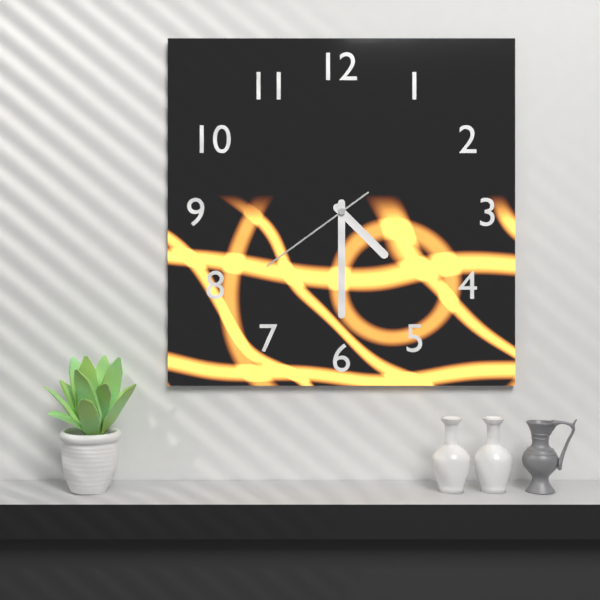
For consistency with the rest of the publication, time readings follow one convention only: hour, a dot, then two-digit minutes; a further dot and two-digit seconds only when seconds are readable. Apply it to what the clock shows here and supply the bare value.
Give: 4.30.39
